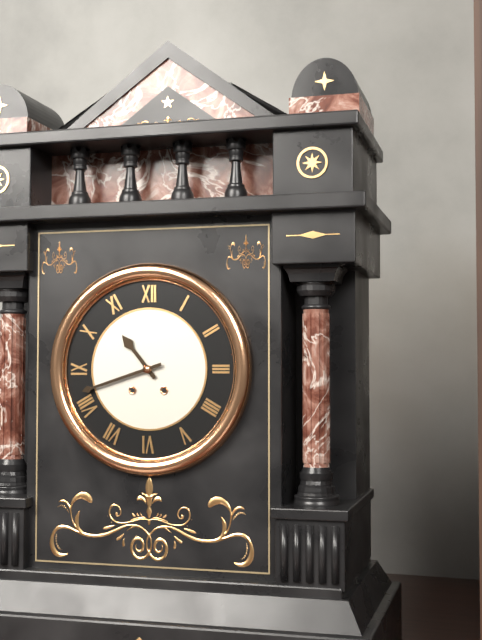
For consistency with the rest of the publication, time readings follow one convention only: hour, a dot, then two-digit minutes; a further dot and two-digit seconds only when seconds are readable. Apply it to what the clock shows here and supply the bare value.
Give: 10.42
